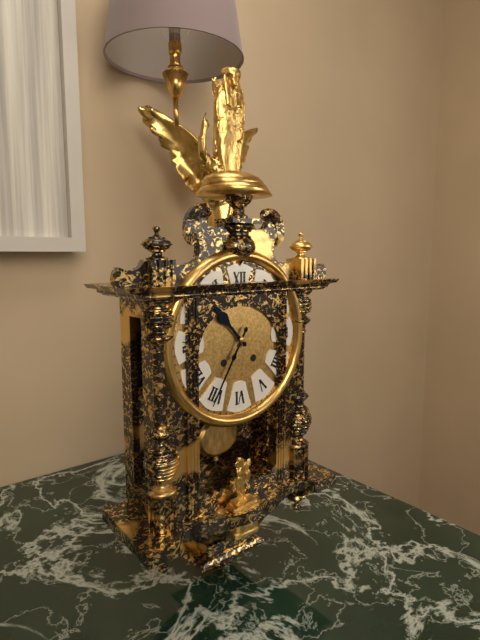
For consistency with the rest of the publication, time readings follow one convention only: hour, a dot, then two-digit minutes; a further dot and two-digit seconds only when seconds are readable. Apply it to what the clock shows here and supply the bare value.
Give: 10.35
